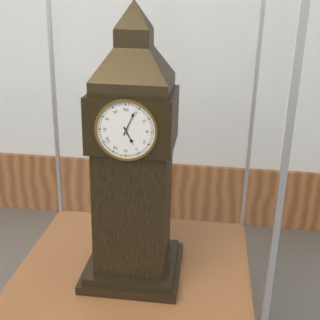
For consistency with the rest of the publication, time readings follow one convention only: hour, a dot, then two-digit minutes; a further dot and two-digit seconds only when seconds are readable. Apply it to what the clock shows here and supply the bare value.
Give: 5.04
